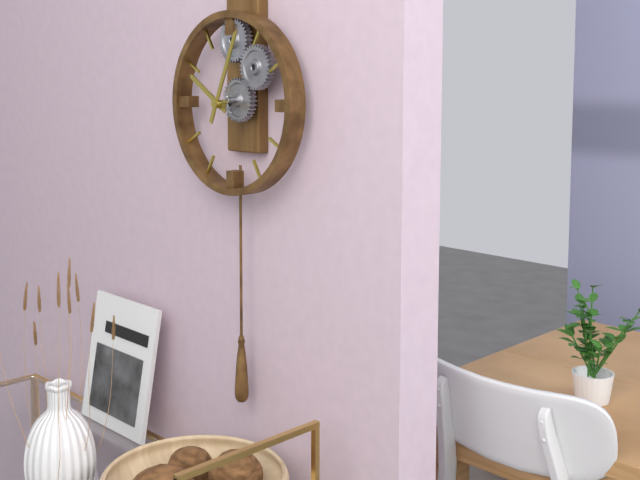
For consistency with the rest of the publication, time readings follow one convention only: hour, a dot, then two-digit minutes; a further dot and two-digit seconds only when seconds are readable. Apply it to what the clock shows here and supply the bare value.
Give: 10.04
